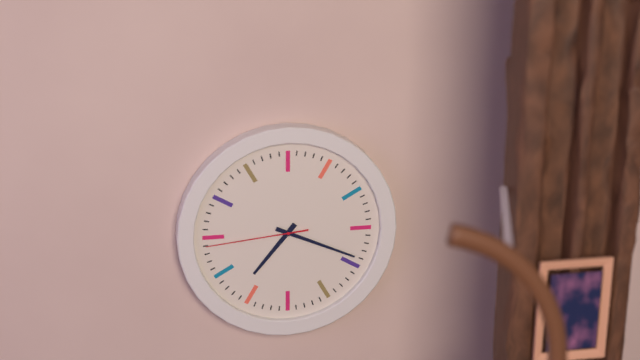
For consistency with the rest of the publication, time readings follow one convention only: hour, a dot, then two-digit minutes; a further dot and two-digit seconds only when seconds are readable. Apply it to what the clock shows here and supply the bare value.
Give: 7.19.44
